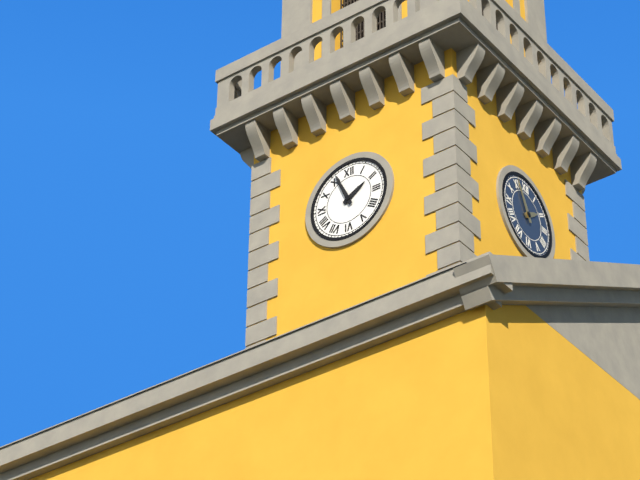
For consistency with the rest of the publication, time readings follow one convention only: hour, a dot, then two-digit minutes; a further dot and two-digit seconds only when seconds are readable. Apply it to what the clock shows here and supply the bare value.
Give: 1.56
